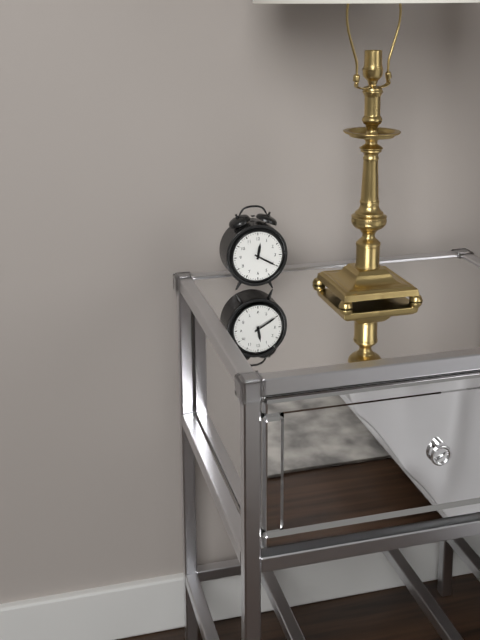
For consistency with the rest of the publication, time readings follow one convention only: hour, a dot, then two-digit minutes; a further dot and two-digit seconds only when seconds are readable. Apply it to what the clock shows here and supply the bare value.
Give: 12.20
